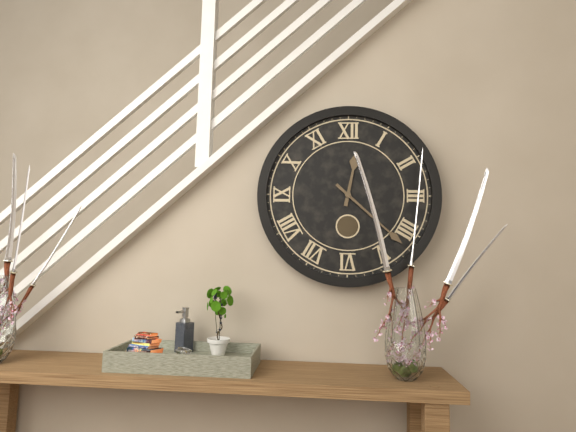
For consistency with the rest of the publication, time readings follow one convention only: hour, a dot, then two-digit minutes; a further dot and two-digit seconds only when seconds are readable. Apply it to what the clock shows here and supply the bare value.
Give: 12.22
